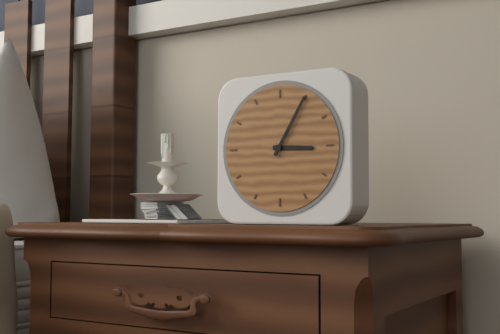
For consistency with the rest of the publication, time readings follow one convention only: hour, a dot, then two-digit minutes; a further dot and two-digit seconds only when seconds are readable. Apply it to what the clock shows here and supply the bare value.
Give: 3.05
